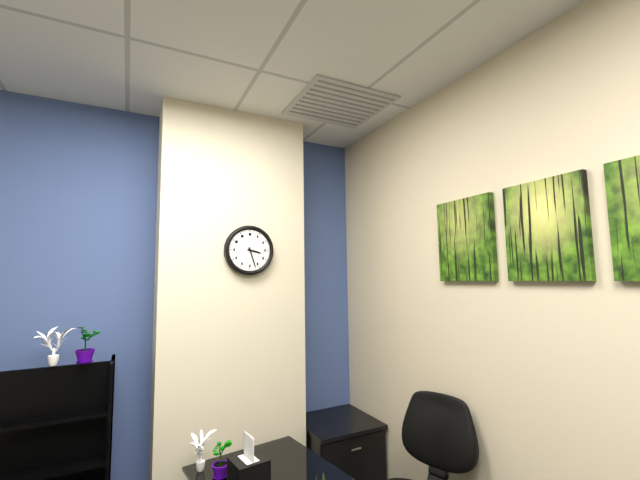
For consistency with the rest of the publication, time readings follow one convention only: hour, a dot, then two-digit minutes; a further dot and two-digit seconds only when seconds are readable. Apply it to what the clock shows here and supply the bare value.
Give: 3.27
